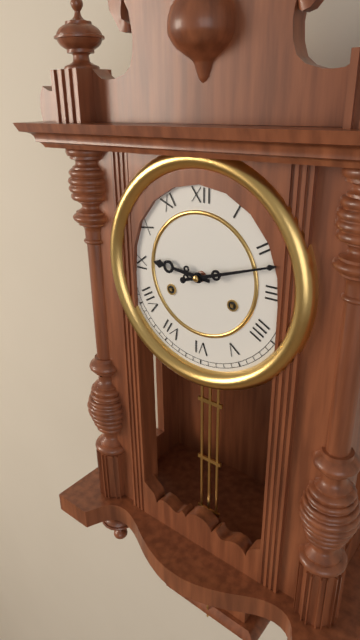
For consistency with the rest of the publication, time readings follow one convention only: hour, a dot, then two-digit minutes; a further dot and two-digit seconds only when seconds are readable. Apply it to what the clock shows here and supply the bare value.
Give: 9.12
